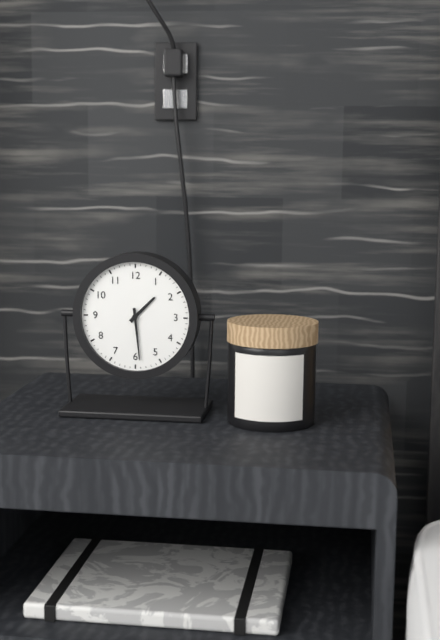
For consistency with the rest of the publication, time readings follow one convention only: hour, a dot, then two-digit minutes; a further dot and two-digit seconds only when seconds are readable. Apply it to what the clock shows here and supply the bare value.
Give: 1.29
